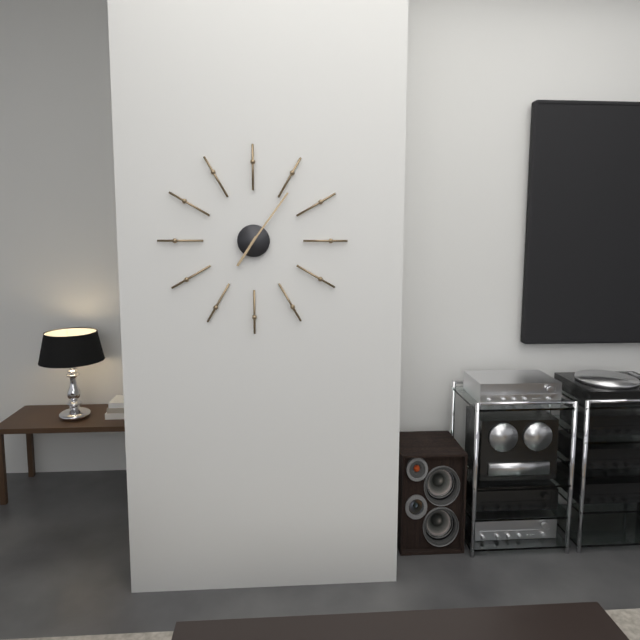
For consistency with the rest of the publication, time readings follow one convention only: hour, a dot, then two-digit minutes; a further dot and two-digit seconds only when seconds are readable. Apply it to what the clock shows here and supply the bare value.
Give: 7.06
